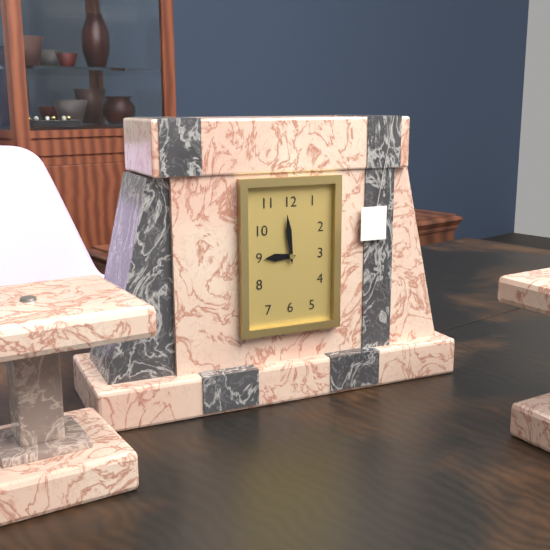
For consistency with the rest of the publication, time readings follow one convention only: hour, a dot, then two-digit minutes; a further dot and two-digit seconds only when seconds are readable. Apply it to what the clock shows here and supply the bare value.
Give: 8.59
